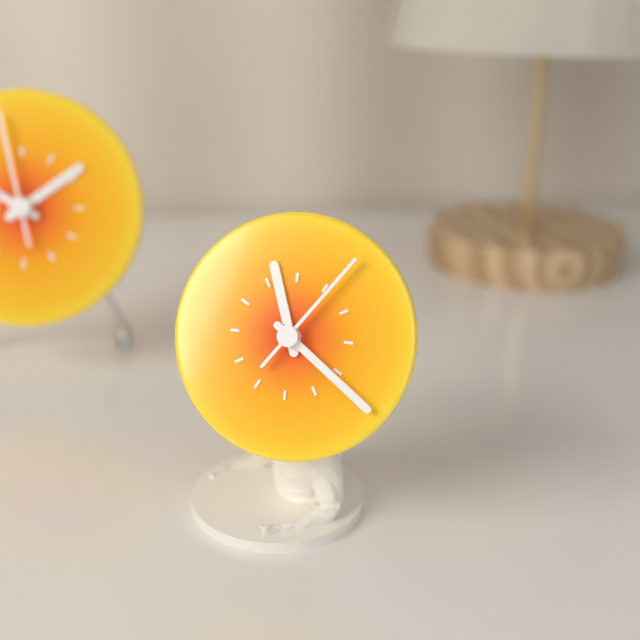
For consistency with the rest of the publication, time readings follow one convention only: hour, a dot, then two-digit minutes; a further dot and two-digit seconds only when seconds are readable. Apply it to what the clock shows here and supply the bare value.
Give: 11.21.06
